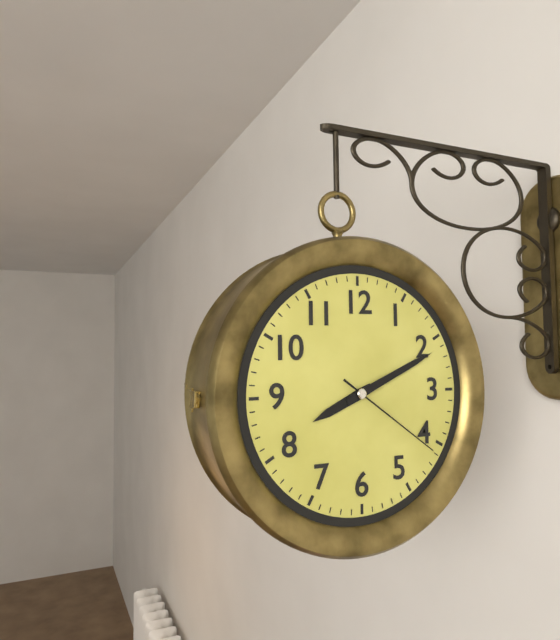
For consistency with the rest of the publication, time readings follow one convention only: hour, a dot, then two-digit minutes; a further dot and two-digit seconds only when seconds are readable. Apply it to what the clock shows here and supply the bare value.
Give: 8.11.21
